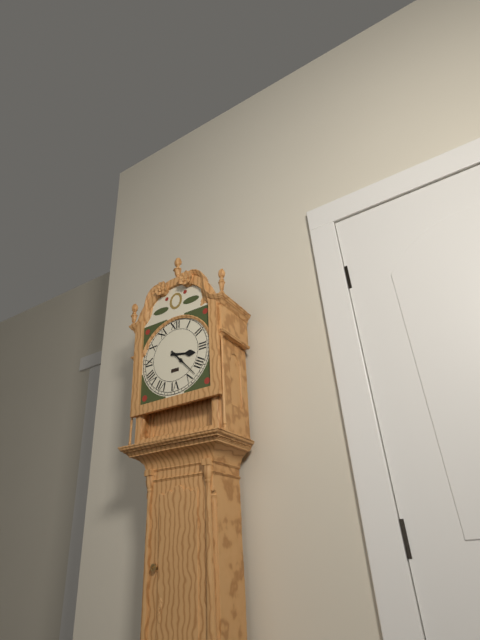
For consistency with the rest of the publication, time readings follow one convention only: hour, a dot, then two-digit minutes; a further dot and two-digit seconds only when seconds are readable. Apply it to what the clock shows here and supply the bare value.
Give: 3.23
